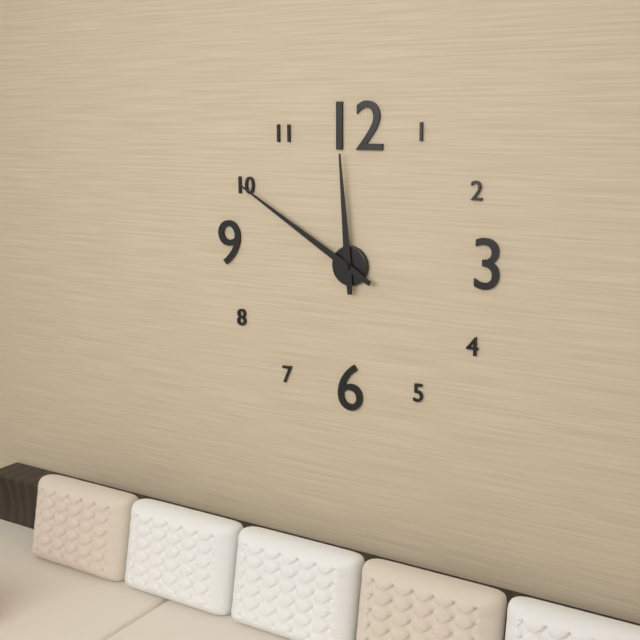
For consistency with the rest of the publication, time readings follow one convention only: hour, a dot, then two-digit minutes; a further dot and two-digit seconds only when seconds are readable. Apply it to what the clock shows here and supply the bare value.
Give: 11.50
